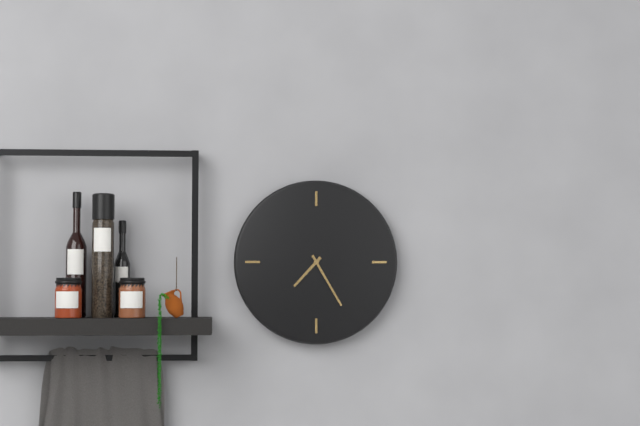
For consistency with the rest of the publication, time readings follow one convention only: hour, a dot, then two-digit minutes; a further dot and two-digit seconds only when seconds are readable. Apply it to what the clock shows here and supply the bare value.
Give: 7.25
